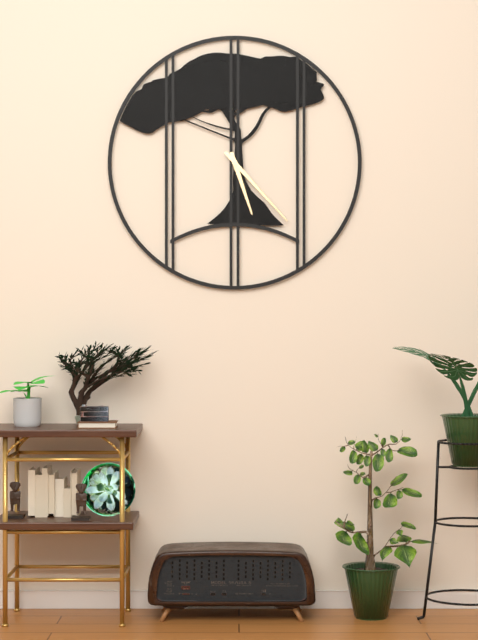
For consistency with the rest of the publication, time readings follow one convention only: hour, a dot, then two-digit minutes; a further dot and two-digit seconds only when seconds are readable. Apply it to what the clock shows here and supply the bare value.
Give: 5.23
